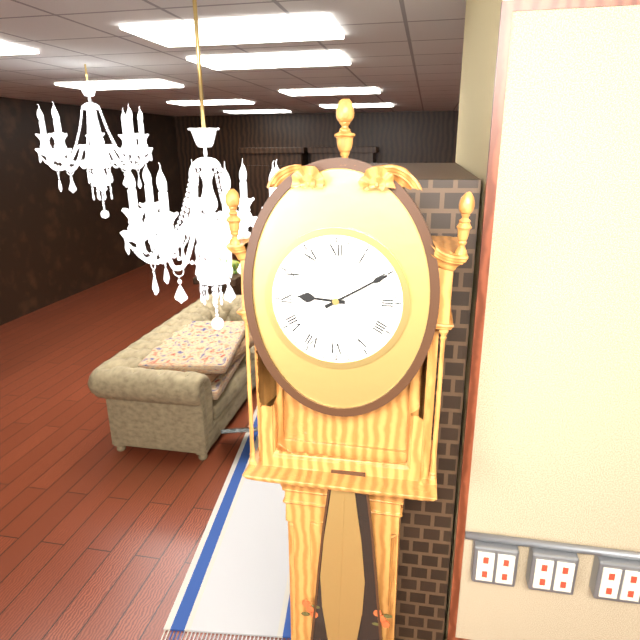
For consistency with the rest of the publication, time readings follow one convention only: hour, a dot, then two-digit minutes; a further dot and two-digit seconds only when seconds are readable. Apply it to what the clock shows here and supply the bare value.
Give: 9.10
